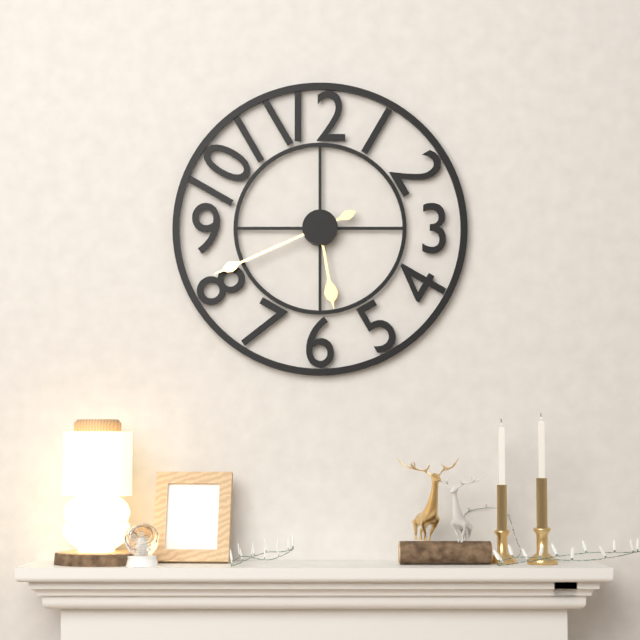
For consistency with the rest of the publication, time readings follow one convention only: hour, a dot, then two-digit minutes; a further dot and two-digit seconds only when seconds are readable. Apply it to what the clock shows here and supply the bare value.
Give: 5.41
